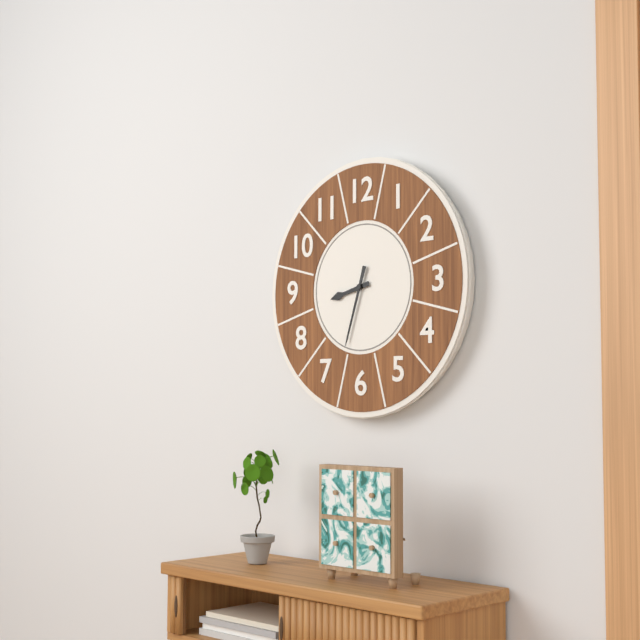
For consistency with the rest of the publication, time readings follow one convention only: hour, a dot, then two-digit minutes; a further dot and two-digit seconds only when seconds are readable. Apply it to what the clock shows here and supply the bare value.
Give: 8.33
